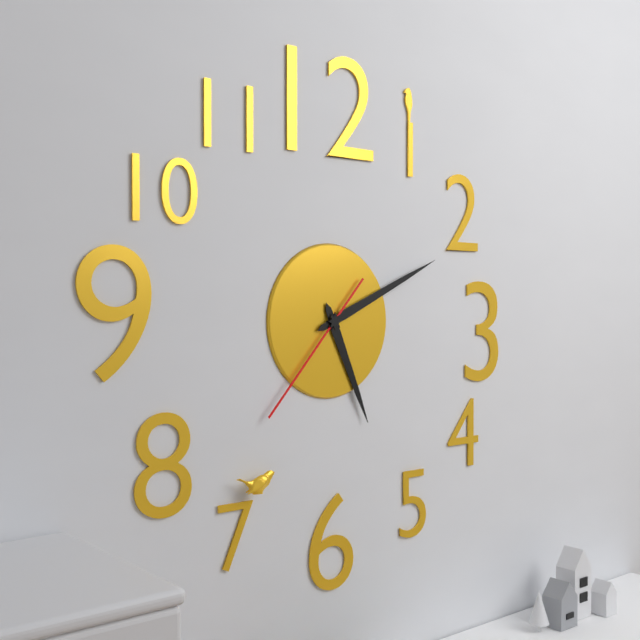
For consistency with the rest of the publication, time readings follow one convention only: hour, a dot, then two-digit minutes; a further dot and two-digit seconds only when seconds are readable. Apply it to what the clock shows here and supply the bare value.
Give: 5.11.37
